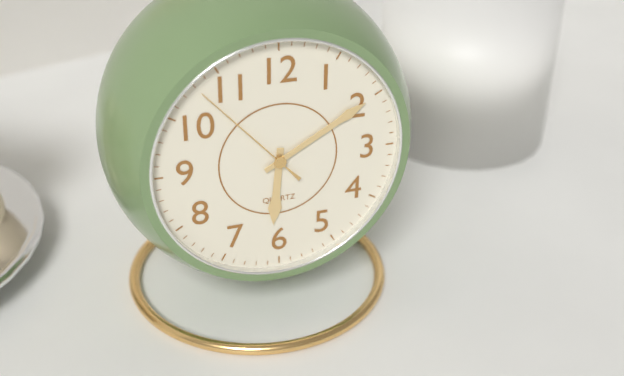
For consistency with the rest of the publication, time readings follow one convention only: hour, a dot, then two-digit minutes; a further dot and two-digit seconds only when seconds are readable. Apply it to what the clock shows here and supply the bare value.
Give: 6.10.53
